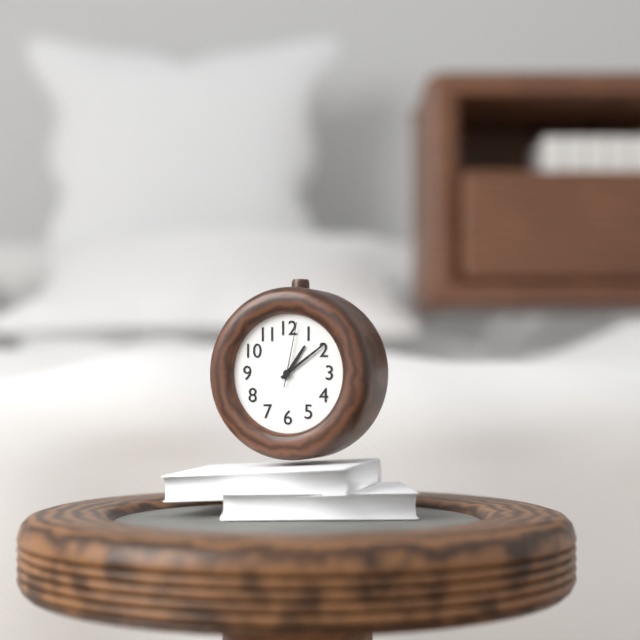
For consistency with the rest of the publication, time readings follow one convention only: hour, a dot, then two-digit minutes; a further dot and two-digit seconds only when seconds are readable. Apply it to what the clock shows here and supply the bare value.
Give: 1.09.02
